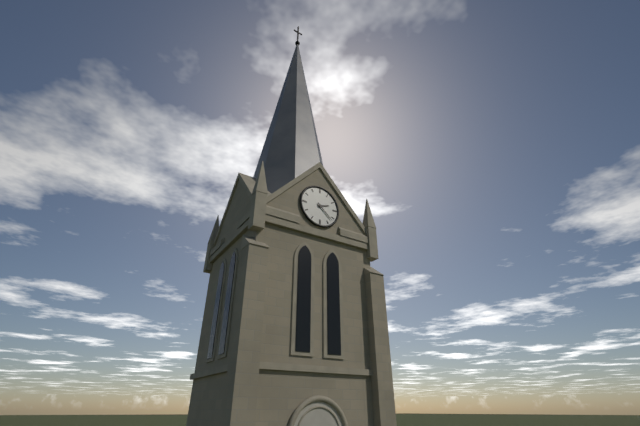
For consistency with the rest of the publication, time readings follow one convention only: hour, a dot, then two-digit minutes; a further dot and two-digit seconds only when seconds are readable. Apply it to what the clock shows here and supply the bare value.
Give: 2.22
